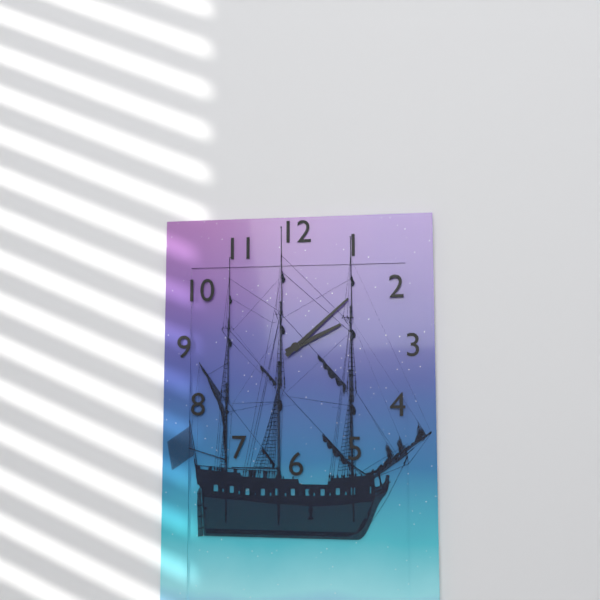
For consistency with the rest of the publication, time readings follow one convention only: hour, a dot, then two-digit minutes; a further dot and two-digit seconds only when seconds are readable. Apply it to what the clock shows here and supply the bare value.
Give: 2.08
